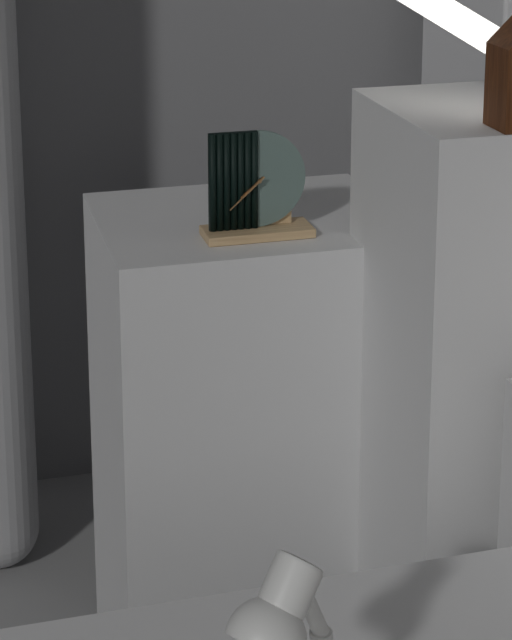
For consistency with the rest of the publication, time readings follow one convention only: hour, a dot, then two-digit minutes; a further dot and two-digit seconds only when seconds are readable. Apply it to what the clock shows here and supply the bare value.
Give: 7.38
